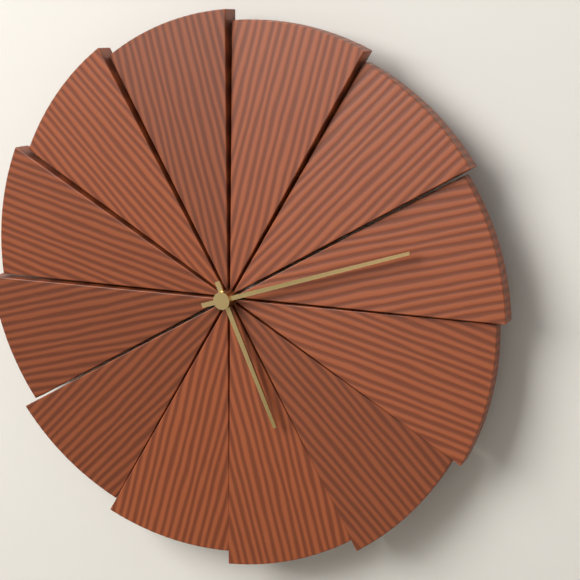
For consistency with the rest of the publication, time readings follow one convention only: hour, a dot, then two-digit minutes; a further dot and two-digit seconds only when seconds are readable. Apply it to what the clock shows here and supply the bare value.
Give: 5.12
